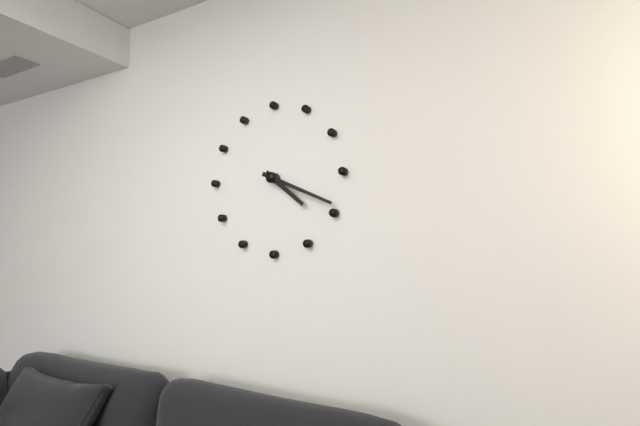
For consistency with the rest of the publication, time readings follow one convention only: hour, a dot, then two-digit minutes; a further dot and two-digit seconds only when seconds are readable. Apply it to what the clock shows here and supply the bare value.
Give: 4.19
